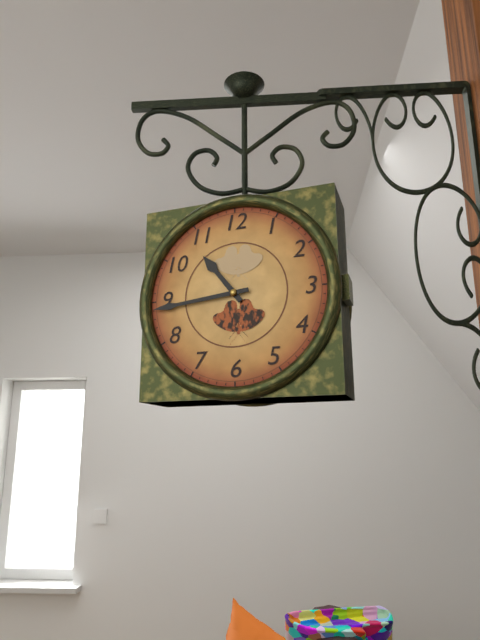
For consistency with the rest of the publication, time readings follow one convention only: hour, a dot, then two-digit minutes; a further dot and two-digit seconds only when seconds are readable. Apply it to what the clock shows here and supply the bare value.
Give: 10.44
